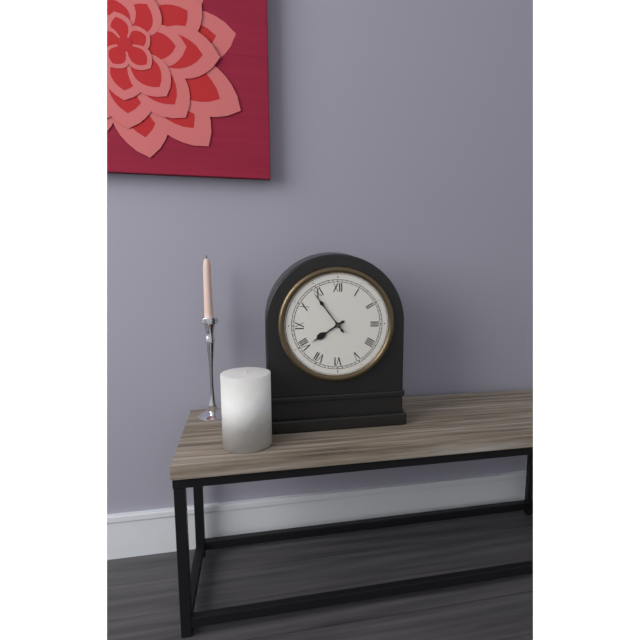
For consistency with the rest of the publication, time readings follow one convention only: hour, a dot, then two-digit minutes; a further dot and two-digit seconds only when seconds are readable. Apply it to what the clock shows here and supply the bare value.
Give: 7.54
